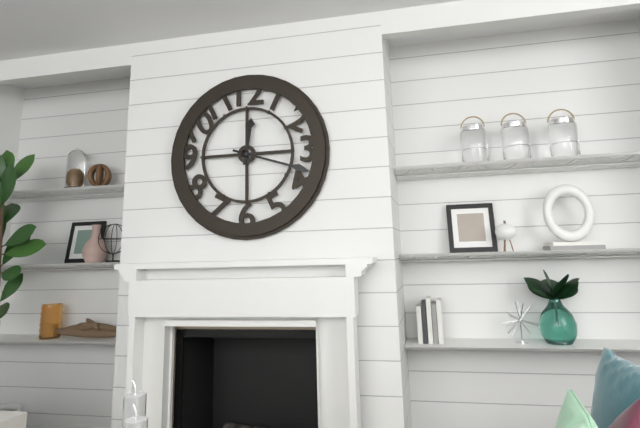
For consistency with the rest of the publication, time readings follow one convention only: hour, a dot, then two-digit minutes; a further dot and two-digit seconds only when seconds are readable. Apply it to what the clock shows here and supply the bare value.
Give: 12.18
